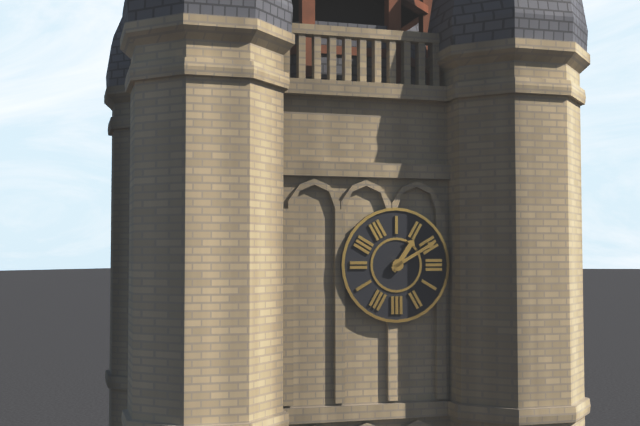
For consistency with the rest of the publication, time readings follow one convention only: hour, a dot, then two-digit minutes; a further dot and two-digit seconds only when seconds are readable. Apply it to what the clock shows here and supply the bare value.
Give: 1.10
